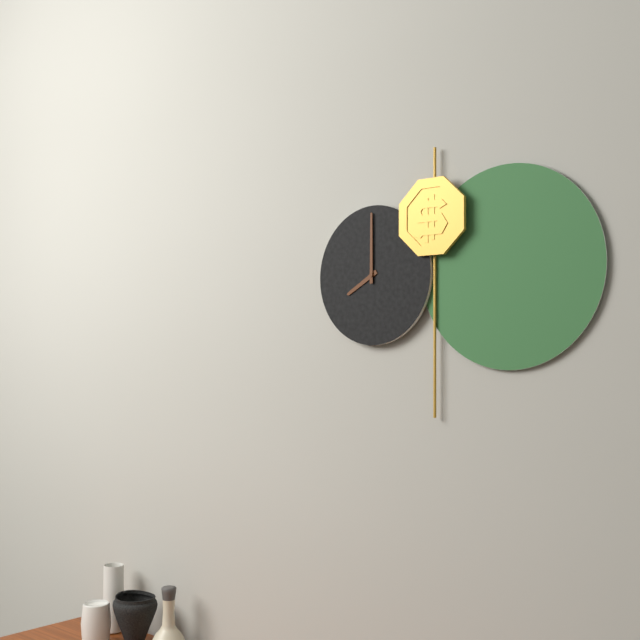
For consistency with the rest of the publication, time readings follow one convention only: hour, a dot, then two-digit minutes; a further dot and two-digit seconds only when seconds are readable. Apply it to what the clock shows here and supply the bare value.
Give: 8.00
